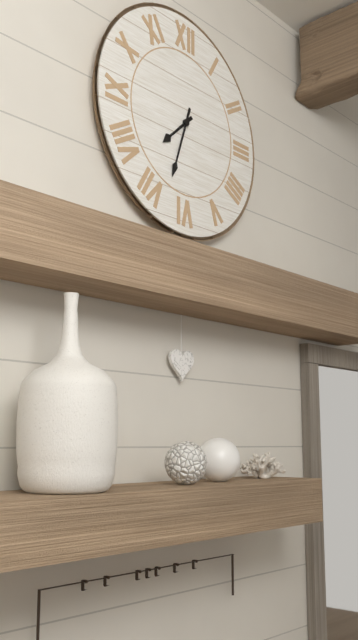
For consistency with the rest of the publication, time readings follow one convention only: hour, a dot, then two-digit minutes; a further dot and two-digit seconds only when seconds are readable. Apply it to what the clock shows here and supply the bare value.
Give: 7.33
